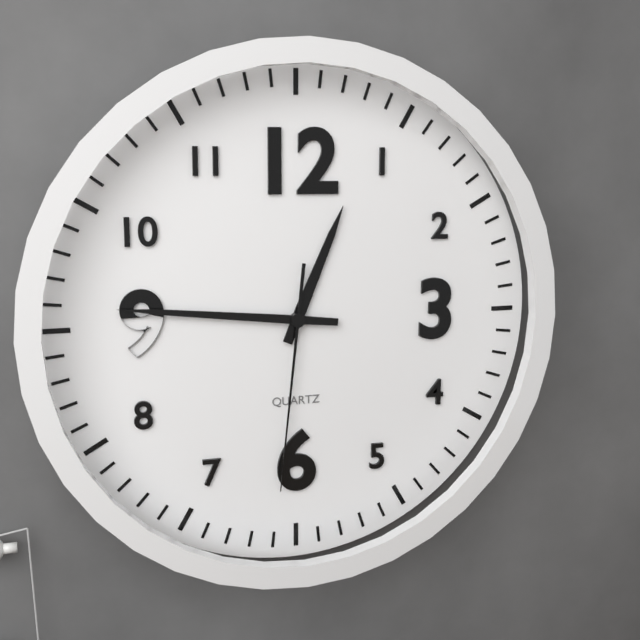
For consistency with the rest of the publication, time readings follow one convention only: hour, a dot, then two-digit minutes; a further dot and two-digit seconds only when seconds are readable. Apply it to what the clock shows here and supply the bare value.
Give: 12.46.31
